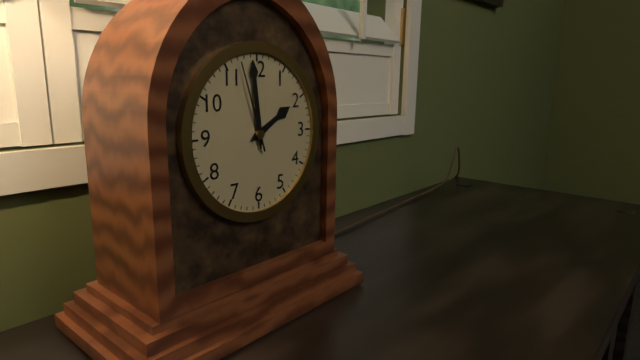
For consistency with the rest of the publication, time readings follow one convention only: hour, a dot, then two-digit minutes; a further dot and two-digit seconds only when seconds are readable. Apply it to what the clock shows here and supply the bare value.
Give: 1.59.57
